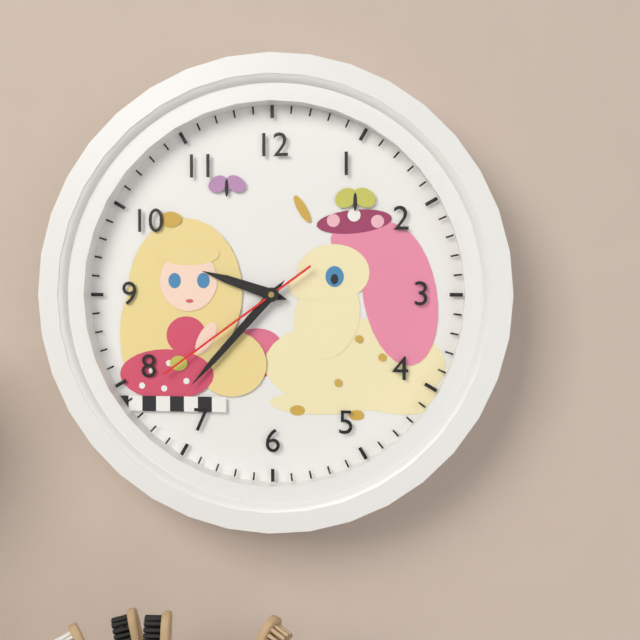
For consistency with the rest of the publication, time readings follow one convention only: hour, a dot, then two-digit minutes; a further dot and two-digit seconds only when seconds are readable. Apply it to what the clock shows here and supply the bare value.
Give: 9.37.39
